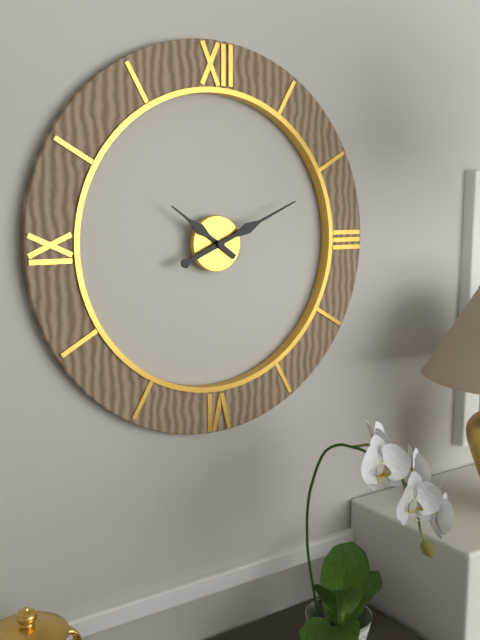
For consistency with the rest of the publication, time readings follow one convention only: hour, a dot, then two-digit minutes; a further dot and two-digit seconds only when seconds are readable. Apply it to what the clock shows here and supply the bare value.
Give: 10.11
